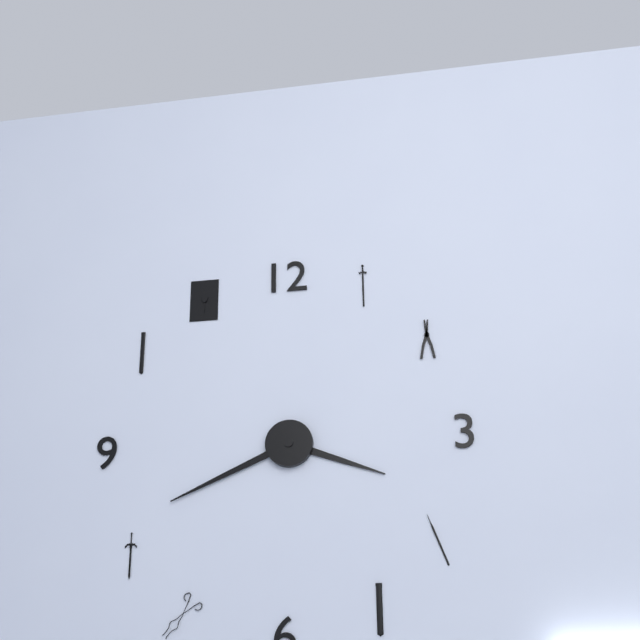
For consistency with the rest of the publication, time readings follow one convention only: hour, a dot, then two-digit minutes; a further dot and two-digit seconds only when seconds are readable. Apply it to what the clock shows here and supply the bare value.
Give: 3.41
